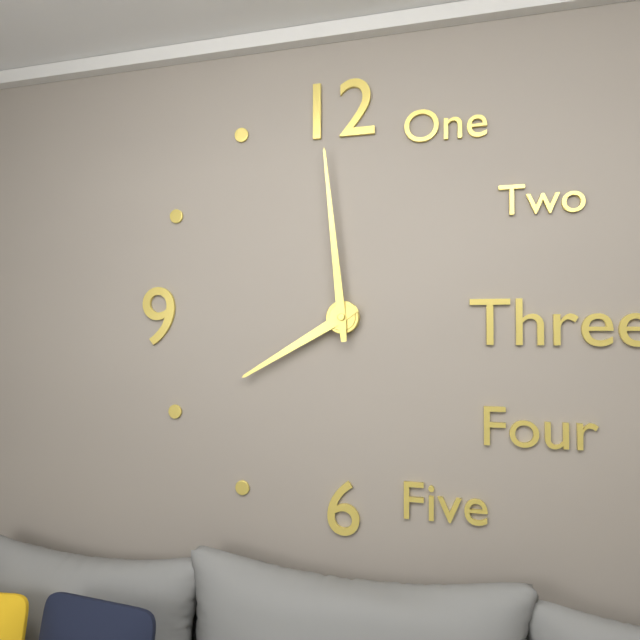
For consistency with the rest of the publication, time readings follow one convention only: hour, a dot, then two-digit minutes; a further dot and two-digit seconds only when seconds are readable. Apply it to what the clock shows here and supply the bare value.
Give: 7.59
